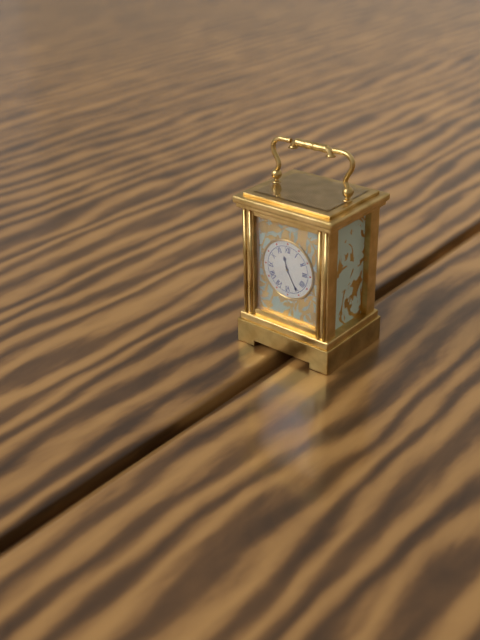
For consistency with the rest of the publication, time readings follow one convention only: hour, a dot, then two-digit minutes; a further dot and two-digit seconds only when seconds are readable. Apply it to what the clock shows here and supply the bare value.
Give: 11.25
